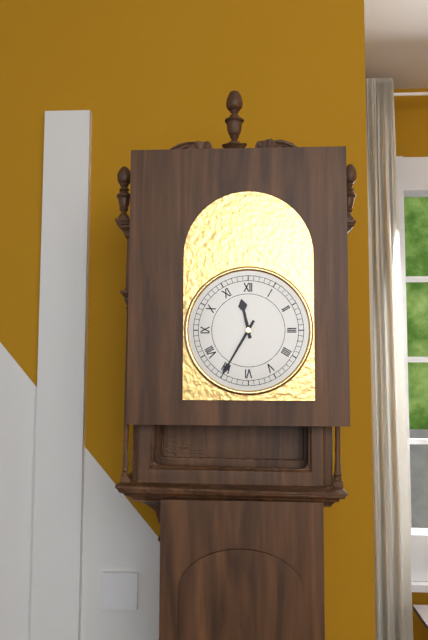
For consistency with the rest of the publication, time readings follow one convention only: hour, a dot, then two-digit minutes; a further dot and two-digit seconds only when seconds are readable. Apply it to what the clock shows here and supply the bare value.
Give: 11.35
